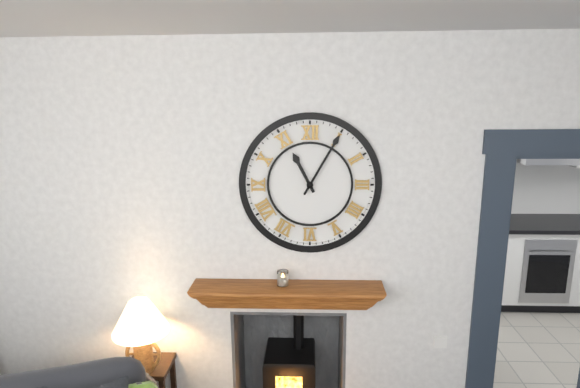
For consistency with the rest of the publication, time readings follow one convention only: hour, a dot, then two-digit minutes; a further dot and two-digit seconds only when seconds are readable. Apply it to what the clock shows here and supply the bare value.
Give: 11.05
